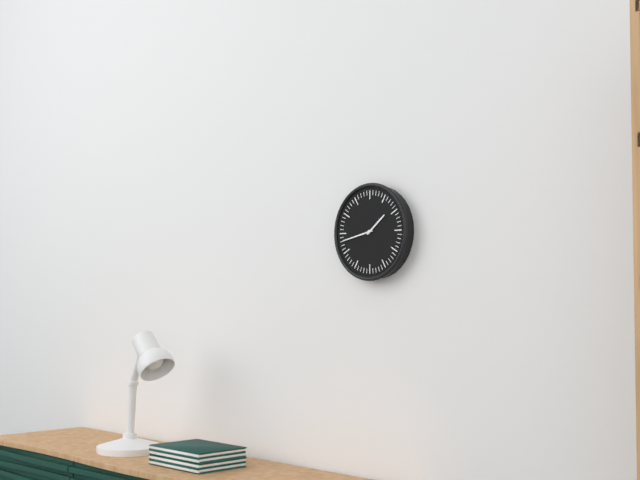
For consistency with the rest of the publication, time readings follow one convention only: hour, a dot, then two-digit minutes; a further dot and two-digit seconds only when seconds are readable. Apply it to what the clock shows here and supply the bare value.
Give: 1.43
